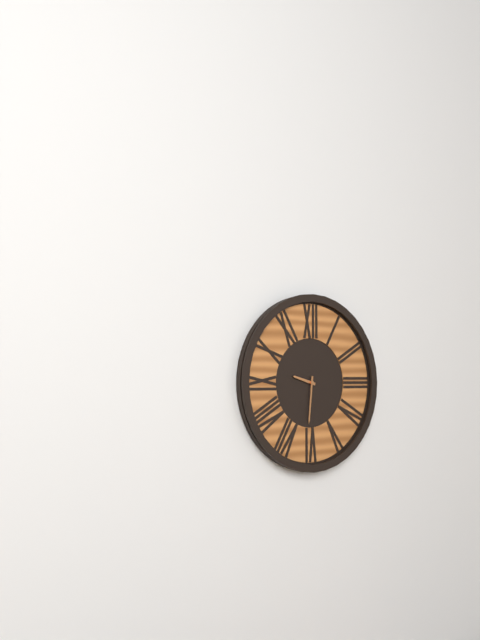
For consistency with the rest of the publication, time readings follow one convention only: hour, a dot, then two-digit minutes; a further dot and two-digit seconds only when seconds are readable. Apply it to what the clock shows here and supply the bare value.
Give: 9.31
